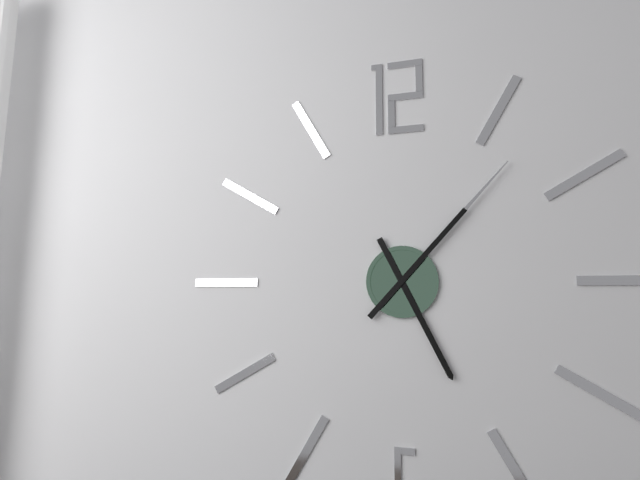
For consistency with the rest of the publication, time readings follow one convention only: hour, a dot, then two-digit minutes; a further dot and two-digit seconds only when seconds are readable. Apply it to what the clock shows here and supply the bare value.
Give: 5.07
